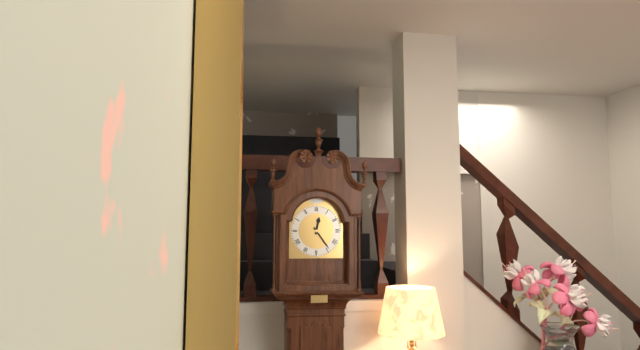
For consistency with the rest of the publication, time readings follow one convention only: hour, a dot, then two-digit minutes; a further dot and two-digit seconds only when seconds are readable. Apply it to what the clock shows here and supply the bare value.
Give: 12.24
